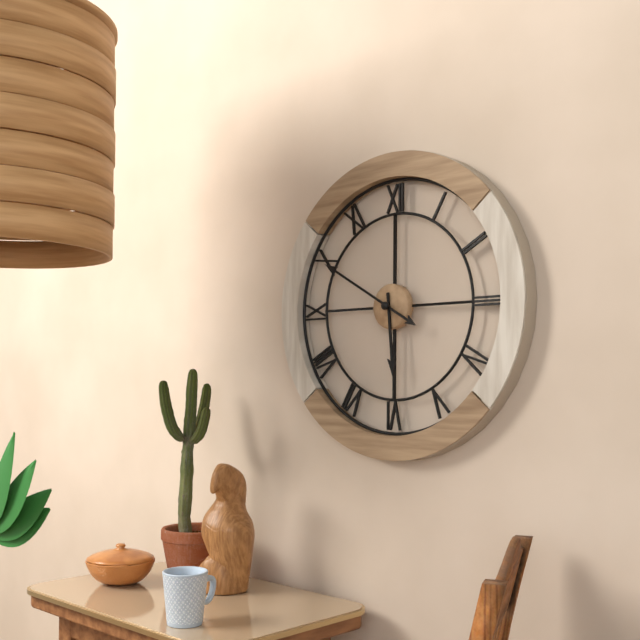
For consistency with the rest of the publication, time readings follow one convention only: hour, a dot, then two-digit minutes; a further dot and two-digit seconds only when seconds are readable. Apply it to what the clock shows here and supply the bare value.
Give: 5.50
